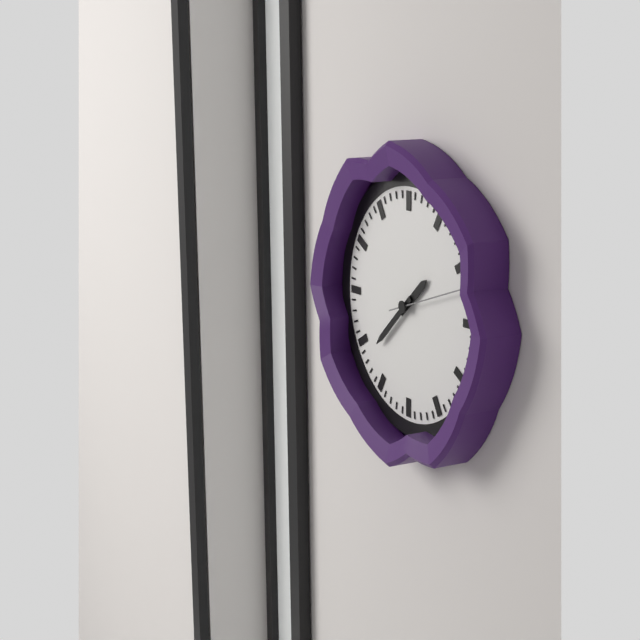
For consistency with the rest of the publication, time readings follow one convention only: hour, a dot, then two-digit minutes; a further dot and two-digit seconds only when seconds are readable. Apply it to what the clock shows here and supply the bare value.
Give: 1.38.12
